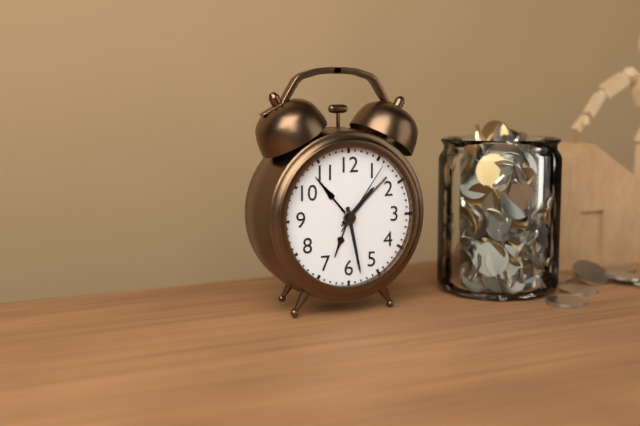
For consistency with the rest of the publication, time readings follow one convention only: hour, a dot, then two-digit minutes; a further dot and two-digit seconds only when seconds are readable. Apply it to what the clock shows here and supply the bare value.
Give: 1.28.06
